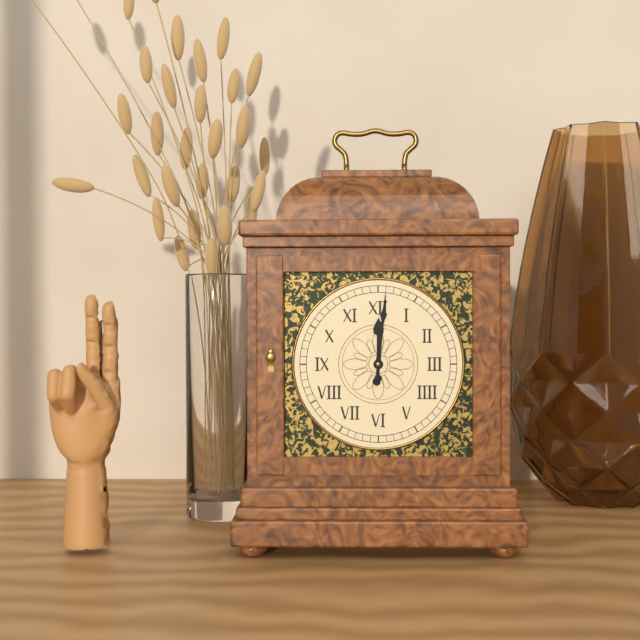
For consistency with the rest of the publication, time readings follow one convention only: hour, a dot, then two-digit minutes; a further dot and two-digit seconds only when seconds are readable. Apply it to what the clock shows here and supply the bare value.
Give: 12.01
